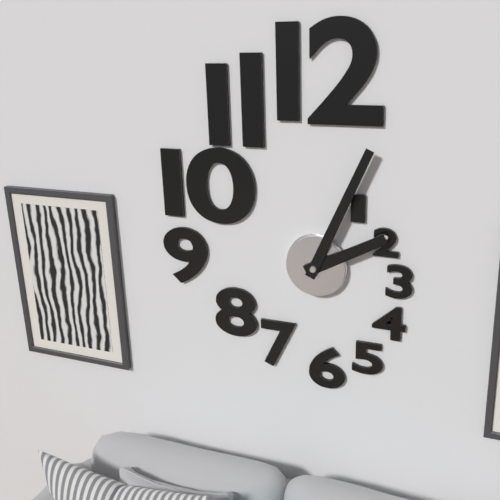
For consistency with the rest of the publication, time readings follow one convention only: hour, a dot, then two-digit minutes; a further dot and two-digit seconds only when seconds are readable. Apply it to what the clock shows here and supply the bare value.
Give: 2.04
